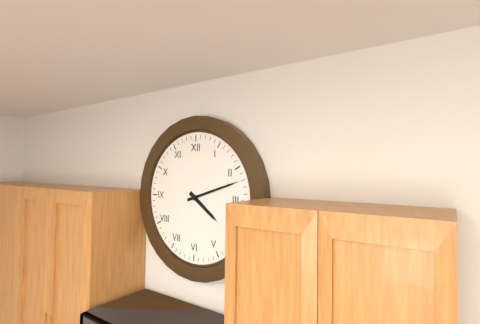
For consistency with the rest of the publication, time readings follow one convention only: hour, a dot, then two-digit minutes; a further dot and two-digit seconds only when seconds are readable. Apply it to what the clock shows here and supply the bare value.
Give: 4.12
